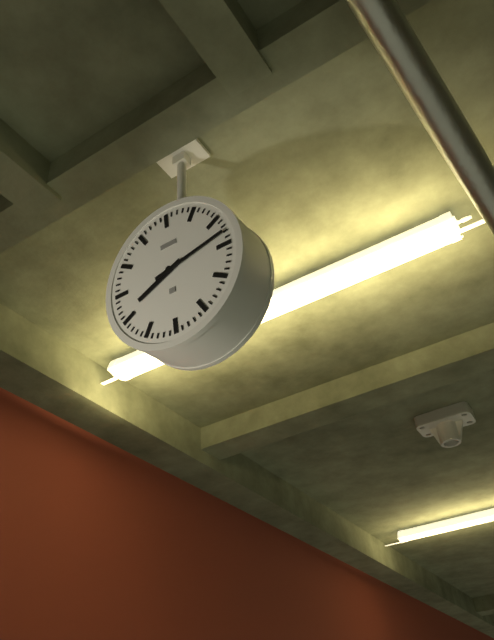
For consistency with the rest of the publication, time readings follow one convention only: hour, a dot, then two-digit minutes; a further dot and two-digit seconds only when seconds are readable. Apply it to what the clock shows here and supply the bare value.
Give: 8.13
